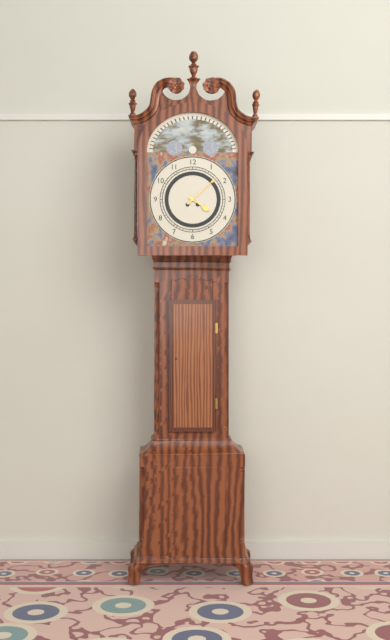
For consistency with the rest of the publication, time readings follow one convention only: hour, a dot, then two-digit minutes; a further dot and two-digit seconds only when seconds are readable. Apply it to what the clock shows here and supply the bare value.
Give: 4.08
